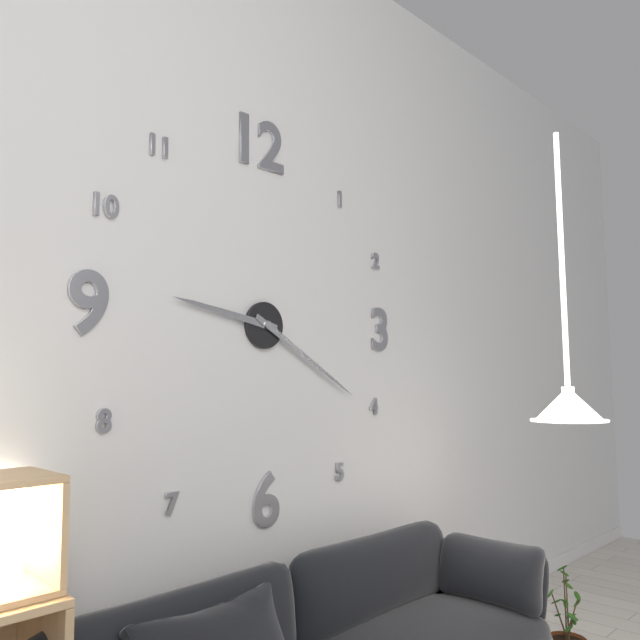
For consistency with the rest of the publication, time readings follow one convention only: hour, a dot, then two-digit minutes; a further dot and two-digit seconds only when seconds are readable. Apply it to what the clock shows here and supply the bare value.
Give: 9.20
